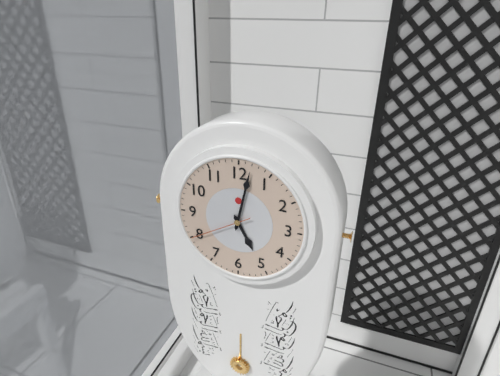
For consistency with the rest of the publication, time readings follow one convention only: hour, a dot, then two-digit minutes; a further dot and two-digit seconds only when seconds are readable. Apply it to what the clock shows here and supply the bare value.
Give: 5.02.40
